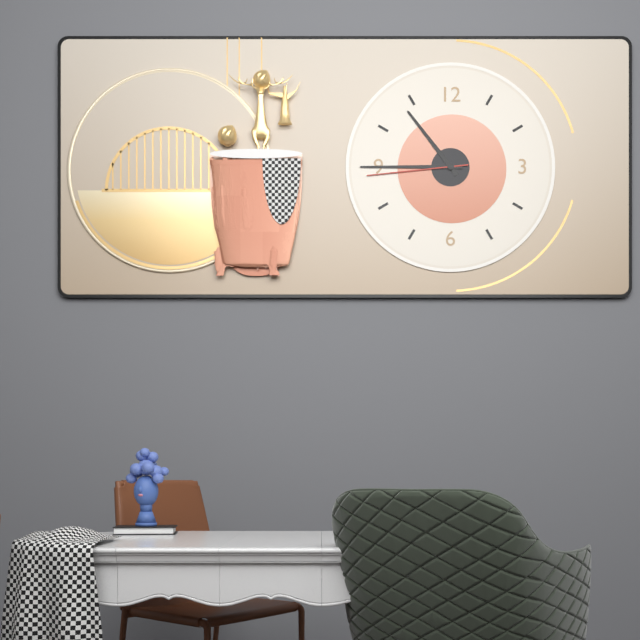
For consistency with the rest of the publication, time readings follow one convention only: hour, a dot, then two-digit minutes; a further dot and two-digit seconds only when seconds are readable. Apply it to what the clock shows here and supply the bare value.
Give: 10.45.44
